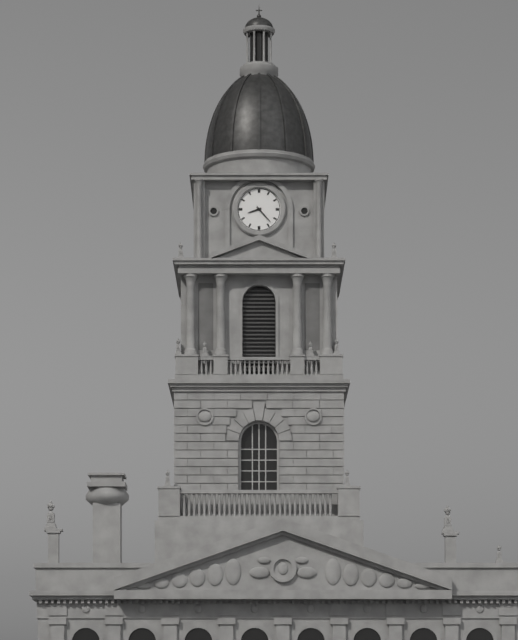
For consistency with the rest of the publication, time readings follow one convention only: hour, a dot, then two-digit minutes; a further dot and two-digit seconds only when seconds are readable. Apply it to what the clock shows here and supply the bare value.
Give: 8.23
